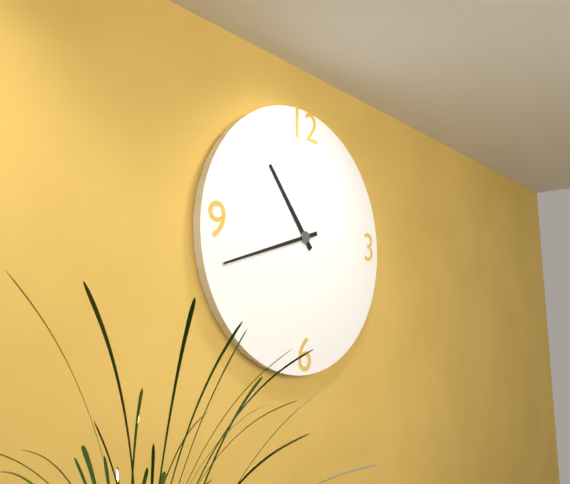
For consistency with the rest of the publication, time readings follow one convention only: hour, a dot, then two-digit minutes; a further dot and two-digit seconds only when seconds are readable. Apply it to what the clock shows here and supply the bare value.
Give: 10.42
